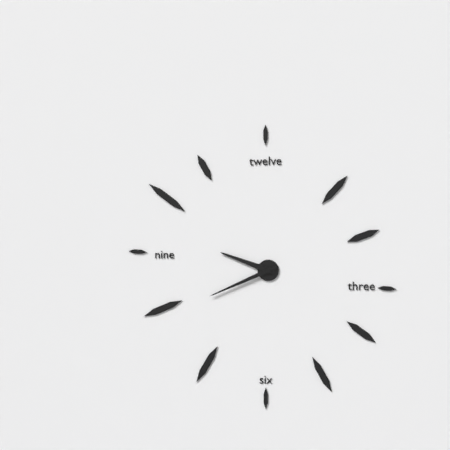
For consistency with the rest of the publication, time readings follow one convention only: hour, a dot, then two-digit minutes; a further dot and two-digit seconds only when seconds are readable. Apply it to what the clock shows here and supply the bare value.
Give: 9.41
